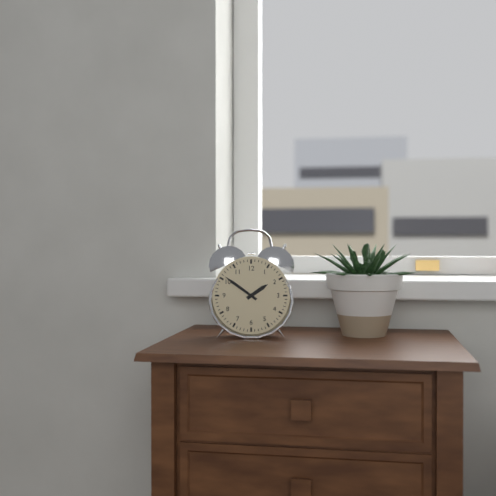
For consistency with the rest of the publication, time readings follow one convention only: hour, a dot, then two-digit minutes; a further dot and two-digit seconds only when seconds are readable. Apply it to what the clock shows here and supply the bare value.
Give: 1.51
